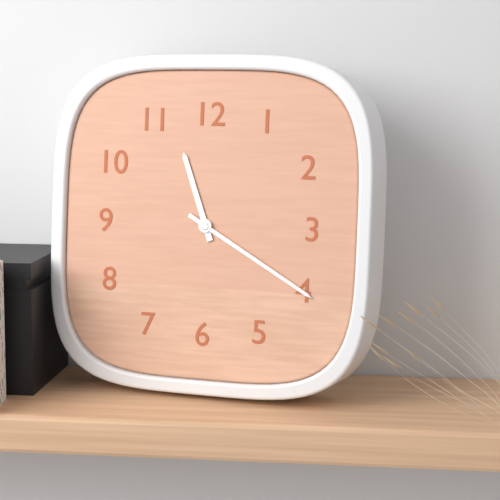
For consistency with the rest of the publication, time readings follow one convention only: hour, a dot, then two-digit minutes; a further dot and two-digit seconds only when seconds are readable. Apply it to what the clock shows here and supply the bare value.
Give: 11.20
